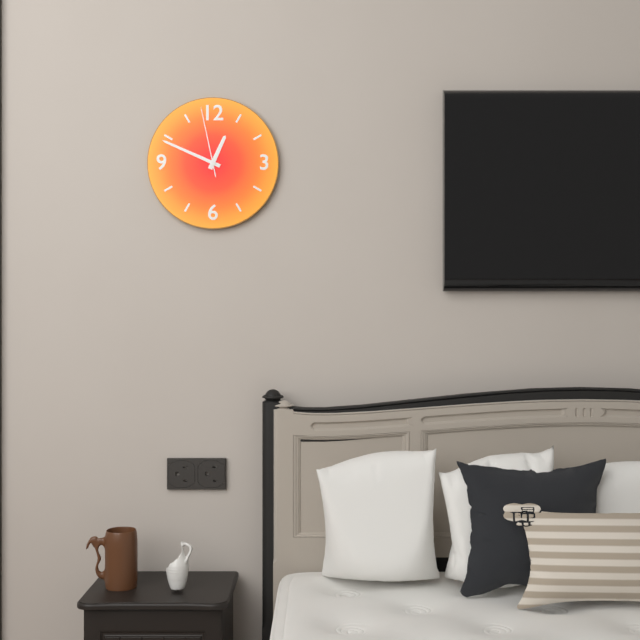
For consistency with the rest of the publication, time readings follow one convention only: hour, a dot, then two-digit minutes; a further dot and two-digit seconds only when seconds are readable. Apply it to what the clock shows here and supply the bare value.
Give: 12.49.58
